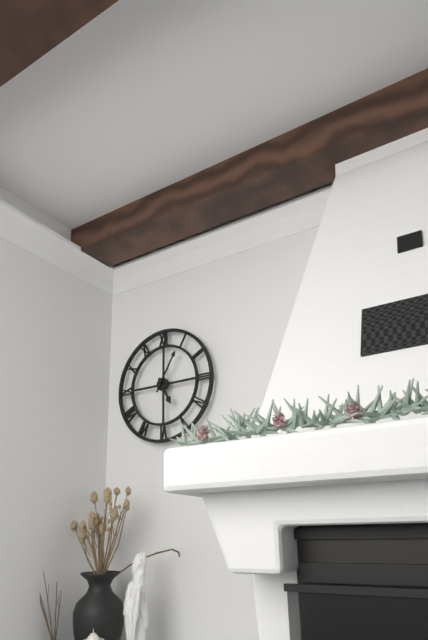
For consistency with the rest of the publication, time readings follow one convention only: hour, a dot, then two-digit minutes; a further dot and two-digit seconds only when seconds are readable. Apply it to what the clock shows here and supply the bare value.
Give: 5.05
